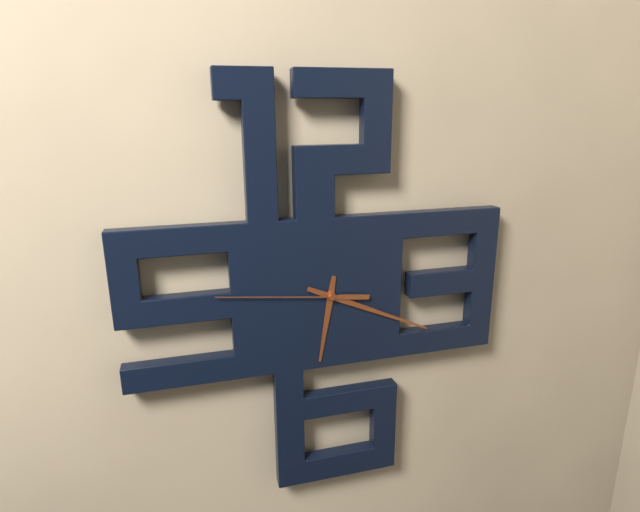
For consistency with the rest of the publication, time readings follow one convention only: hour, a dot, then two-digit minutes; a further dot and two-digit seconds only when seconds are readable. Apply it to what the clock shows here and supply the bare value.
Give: 6.19.46
